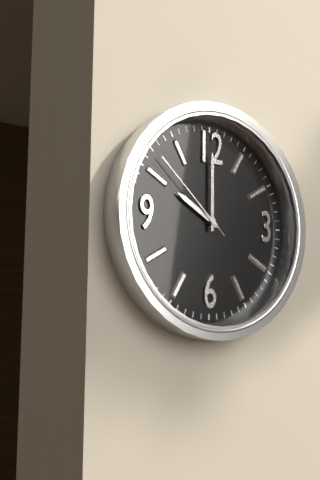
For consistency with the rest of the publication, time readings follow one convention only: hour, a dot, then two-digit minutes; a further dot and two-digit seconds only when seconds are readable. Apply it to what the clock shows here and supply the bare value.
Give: 10.00.52
